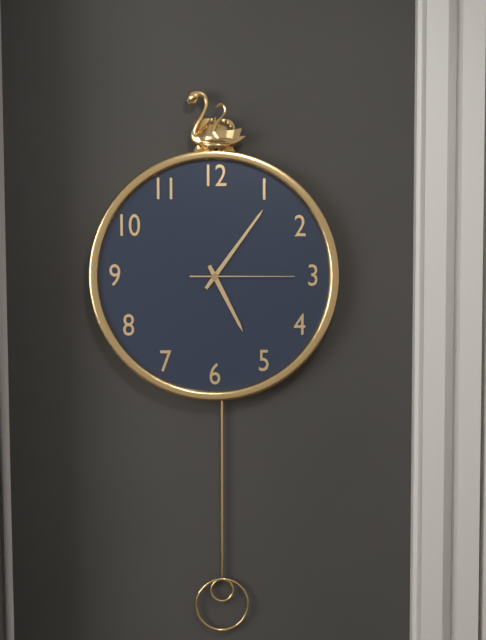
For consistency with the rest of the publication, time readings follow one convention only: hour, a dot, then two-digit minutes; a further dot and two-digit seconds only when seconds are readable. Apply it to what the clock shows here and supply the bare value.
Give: 5.06.15
